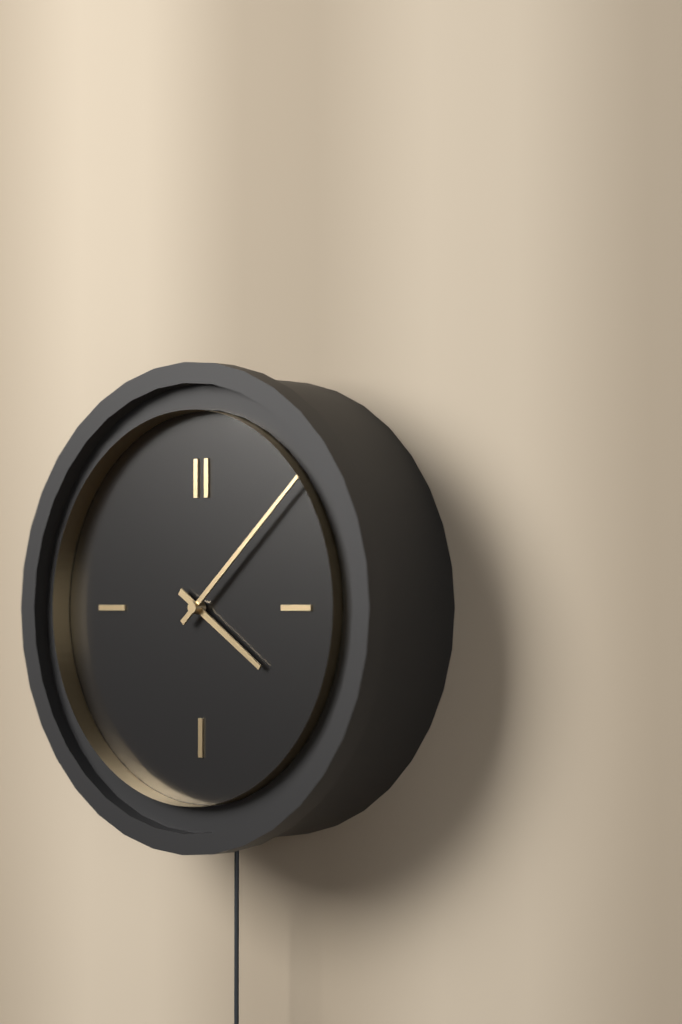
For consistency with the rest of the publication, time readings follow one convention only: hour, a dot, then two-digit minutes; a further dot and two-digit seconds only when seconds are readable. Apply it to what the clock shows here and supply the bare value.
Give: 4.08
